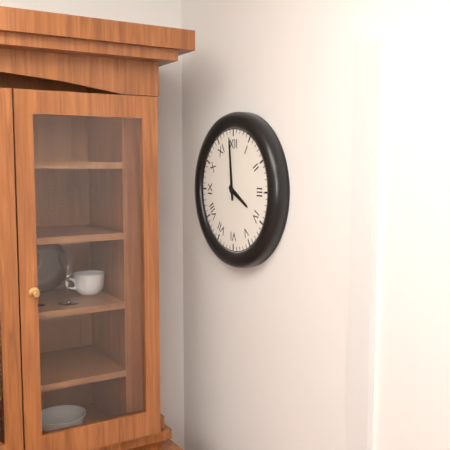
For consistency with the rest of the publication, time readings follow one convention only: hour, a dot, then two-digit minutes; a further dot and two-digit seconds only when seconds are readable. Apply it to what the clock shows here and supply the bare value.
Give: 3.59
